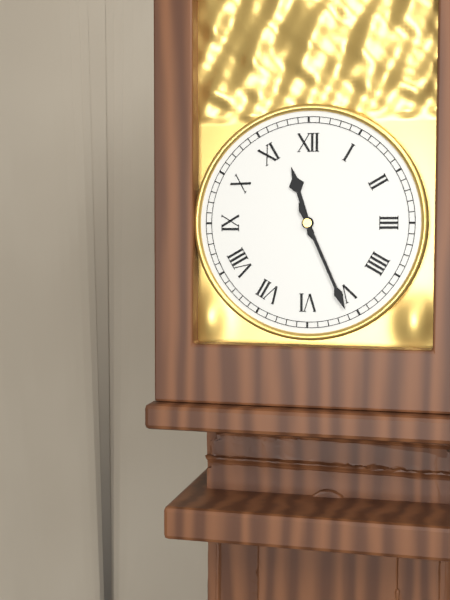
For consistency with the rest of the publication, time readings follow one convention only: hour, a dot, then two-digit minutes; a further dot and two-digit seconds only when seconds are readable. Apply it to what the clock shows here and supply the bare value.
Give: 11.26
